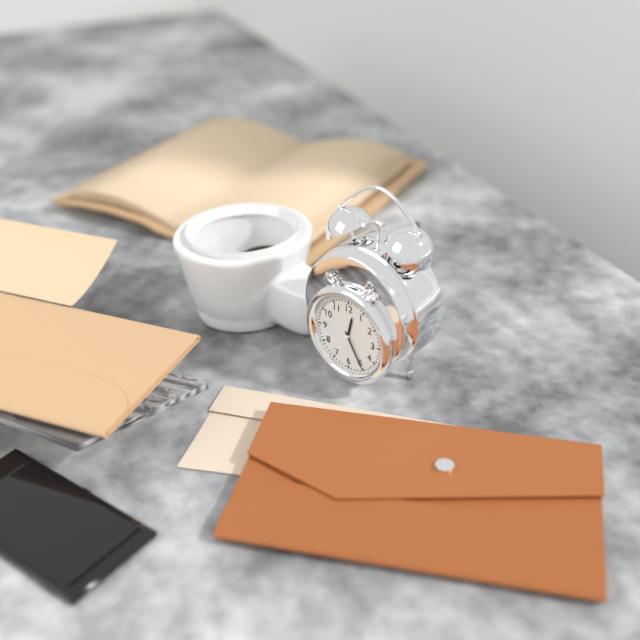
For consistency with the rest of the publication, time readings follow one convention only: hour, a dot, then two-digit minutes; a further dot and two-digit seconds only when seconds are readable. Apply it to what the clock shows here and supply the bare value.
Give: 12.25
